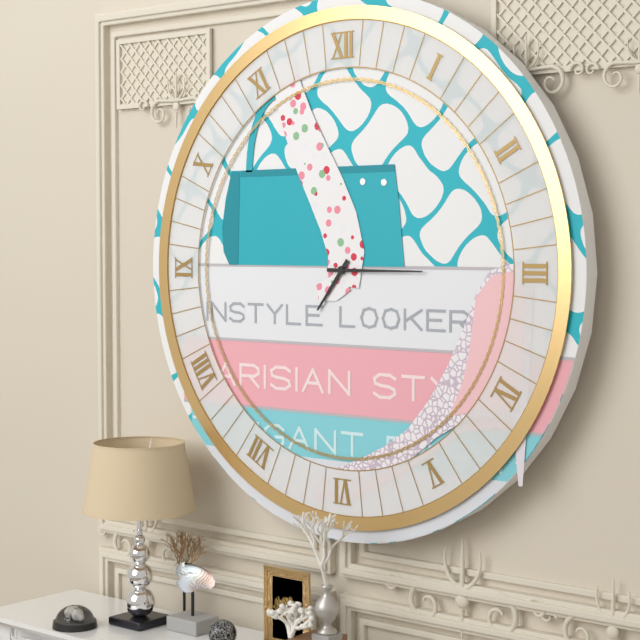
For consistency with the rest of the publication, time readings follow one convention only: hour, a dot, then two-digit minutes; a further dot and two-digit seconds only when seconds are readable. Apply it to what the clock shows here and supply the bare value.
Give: 7.15
